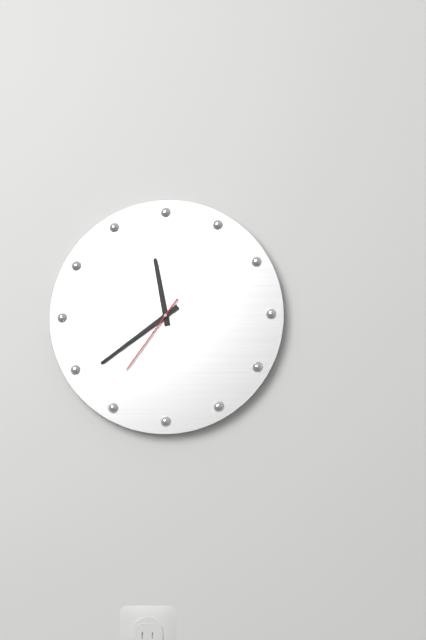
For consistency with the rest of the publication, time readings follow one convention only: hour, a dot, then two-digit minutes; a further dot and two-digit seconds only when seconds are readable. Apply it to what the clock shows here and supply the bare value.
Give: 11.39.36
